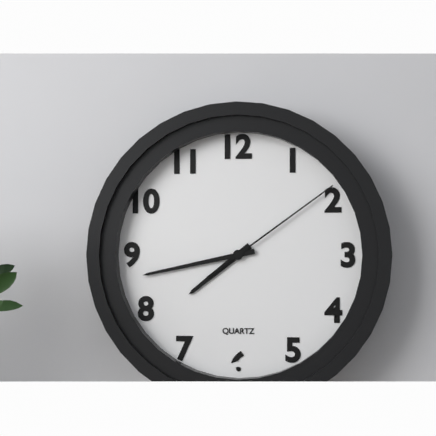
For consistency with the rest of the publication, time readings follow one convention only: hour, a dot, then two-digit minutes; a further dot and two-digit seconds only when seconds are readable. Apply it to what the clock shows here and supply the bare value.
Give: 7.43.09
